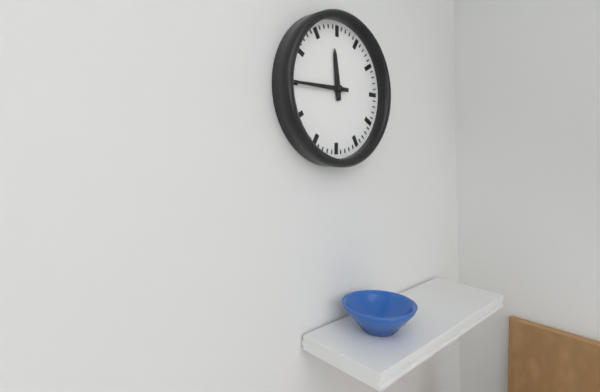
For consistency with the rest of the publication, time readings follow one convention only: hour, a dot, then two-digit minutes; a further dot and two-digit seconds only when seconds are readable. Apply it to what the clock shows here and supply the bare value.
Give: 11.45
